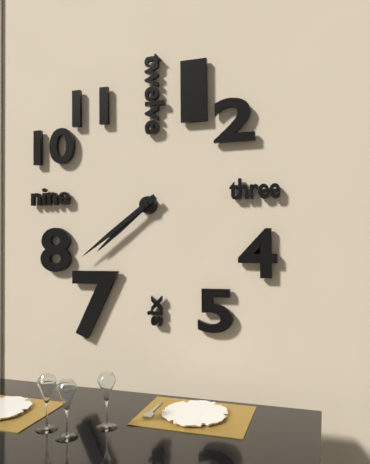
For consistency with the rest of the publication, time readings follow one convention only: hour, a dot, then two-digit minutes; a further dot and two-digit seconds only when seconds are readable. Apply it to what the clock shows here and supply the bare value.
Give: 7.39
